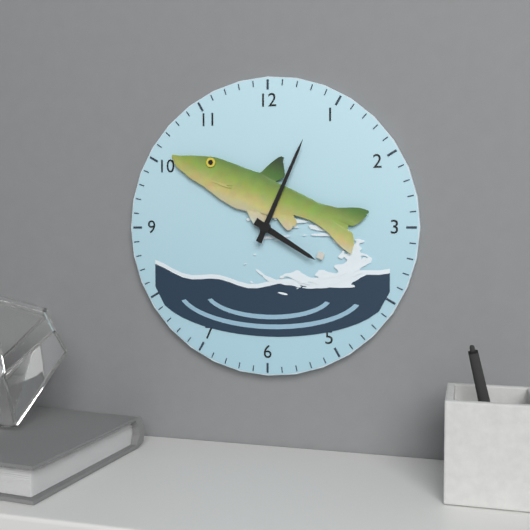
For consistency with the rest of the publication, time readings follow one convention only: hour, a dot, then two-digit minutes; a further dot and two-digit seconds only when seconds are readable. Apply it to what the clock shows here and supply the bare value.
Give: 4.04
